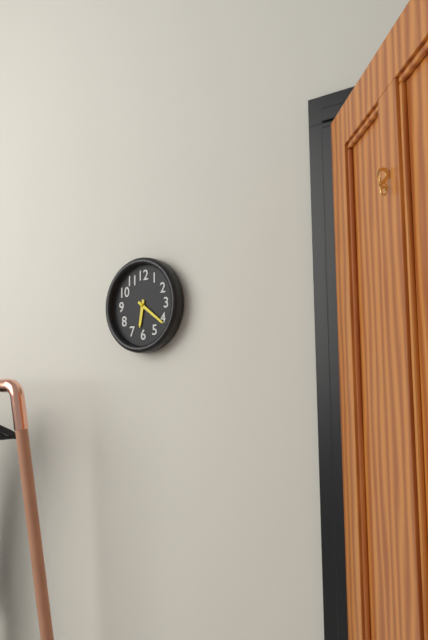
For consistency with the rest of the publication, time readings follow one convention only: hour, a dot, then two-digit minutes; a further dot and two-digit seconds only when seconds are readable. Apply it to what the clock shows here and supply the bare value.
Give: 6.21
